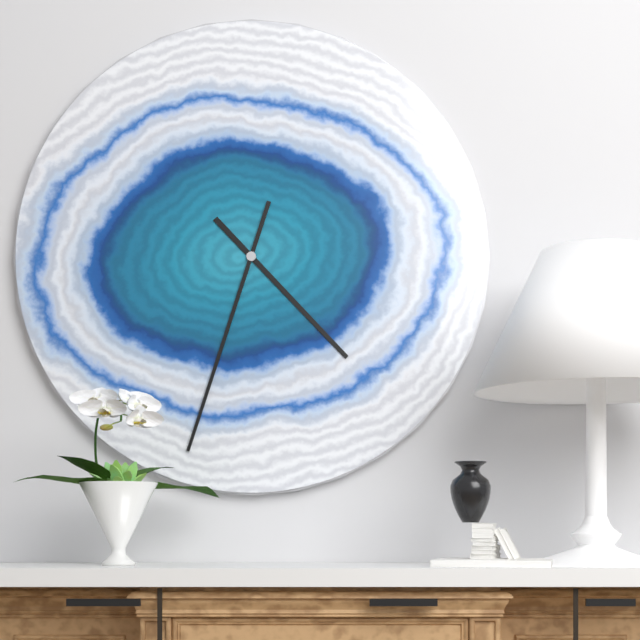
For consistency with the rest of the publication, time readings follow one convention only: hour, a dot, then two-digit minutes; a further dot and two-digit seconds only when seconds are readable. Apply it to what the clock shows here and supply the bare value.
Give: 4.33
